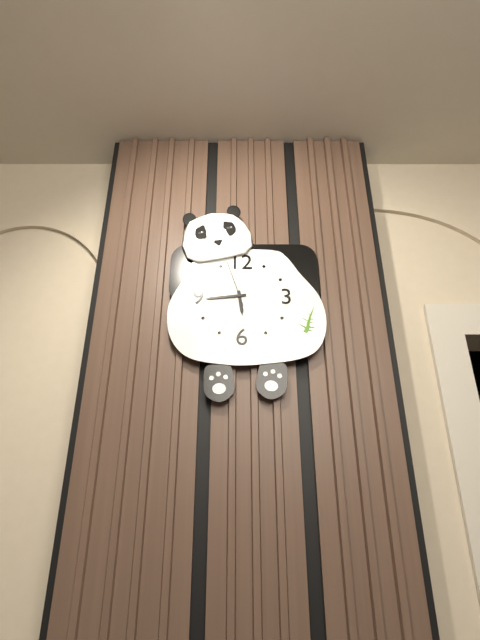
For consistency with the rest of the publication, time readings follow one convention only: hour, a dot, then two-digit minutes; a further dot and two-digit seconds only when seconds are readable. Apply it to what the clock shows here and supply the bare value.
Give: 5.44.57
